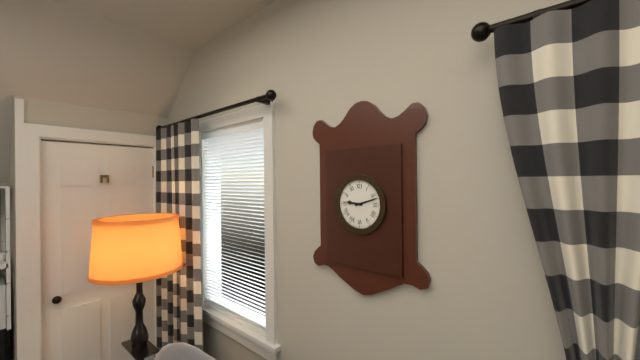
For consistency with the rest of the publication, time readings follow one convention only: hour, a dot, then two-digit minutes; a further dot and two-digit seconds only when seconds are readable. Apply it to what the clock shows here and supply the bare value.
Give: 9.12
